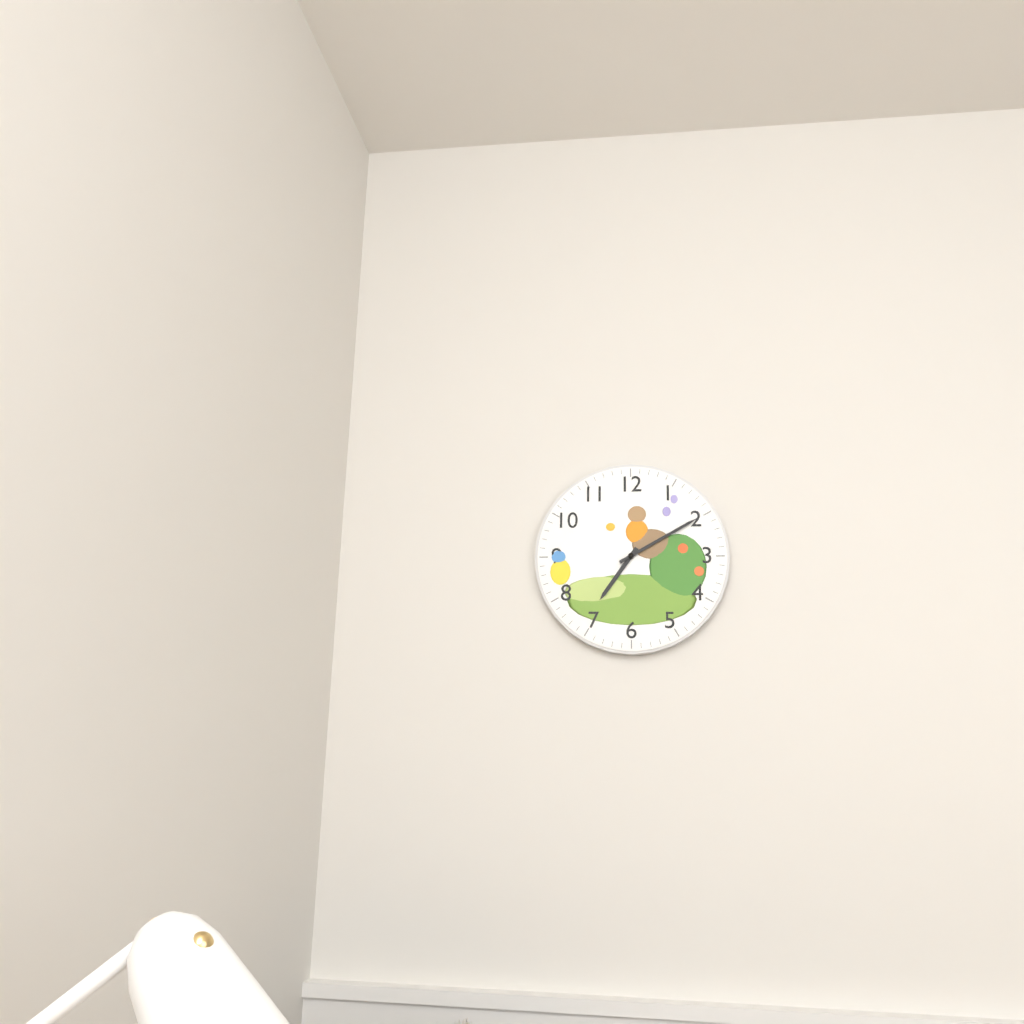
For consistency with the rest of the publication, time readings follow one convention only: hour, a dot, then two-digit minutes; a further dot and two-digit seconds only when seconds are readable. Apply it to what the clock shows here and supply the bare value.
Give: 7.10
